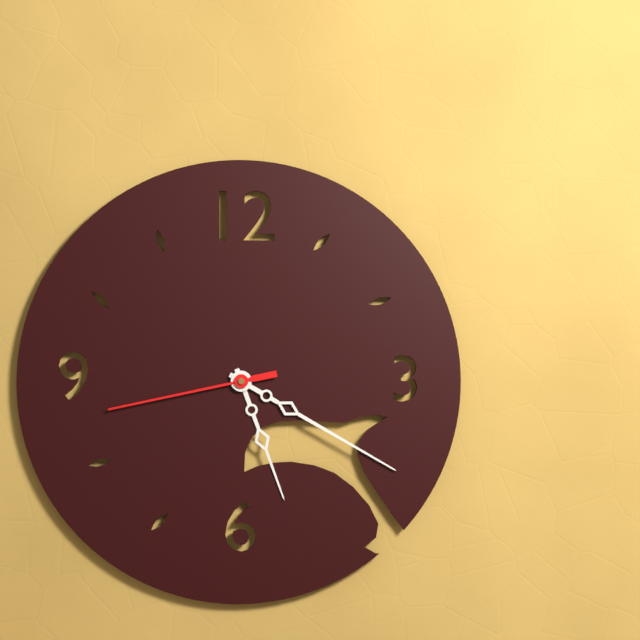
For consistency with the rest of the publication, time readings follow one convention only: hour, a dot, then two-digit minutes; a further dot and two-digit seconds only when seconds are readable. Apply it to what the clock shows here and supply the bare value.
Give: 5.20.43
